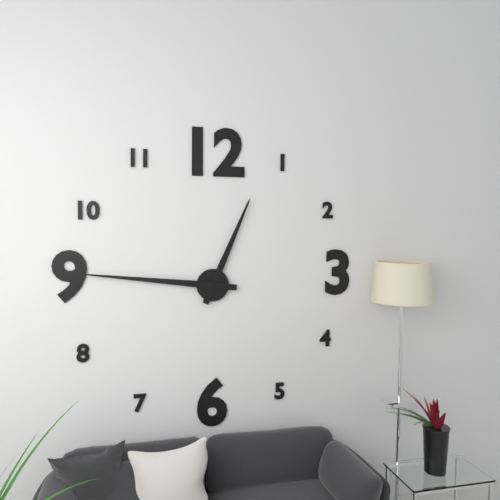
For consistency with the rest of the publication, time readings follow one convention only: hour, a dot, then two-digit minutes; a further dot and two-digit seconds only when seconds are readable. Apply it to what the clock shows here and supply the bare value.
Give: 12.46
